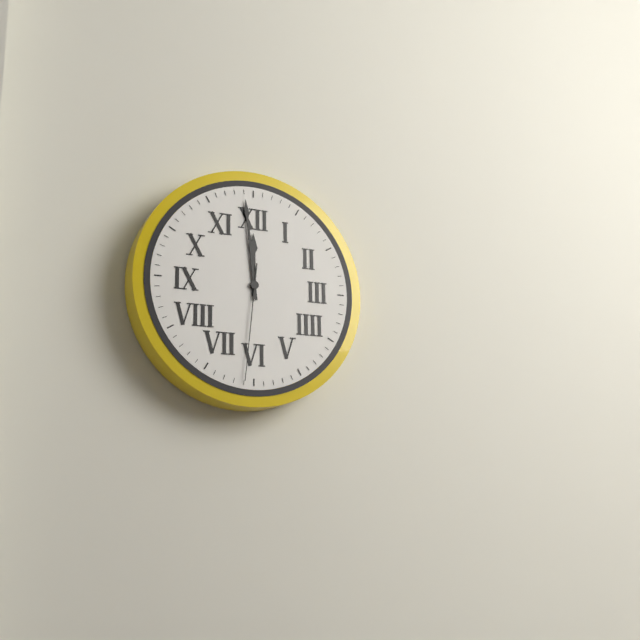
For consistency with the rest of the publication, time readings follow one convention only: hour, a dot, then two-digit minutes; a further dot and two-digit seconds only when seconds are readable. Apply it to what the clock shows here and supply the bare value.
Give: 11.59.31
